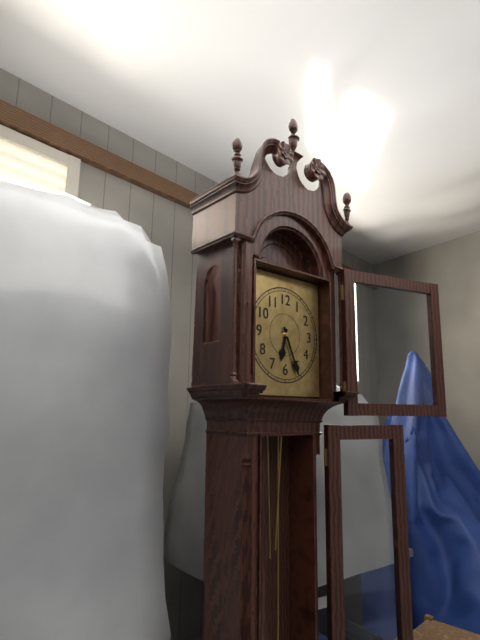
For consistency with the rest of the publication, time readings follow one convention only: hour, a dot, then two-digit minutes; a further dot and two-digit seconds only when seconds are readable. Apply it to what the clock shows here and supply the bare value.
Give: 6.26
